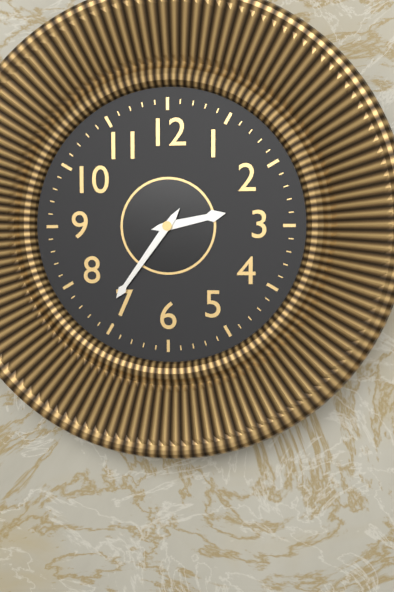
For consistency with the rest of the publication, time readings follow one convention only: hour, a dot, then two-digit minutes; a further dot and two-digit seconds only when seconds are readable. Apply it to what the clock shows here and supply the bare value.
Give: 2.36
